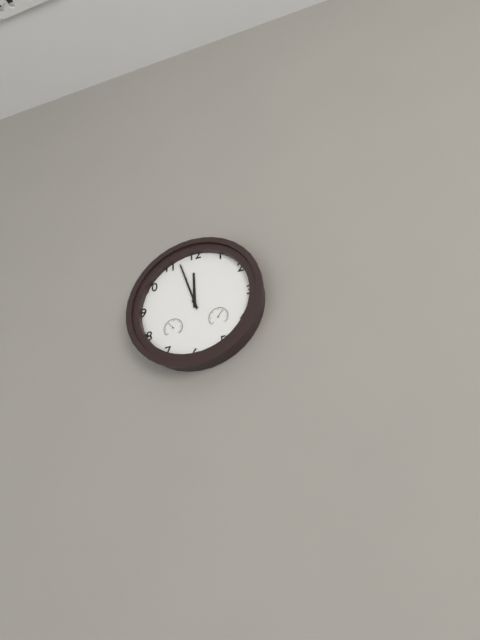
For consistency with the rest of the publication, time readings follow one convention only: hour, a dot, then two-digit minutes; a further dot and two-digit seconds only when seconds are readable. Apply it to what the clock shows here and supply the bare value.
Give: 11.57
